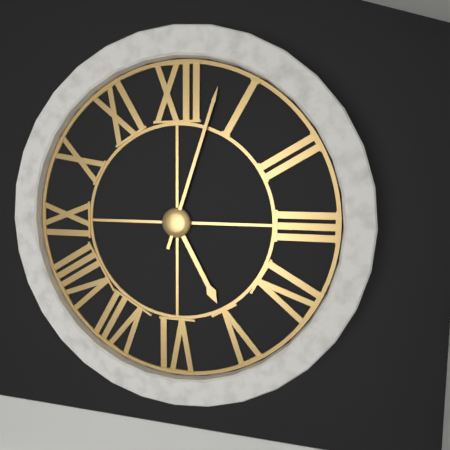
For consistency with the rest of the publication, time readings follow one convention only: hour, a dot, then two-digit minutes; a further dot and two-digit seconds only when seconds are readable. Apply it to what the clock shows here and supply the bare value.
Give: 5.03
